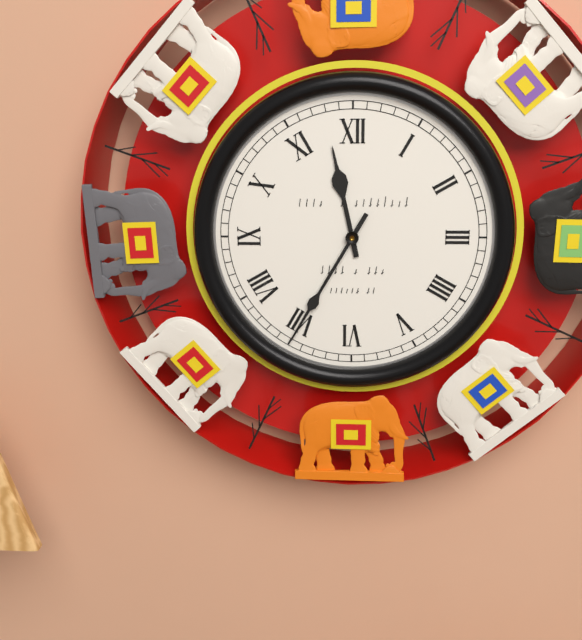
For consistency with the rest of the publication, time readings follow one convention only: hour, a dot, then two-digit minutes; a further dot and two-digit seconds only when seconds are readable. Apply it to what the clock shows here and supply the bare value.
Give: 11.35
